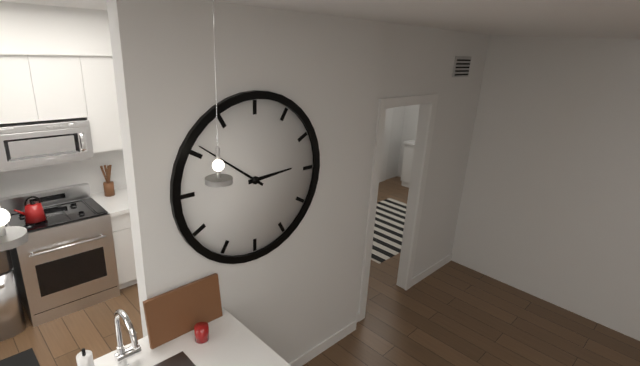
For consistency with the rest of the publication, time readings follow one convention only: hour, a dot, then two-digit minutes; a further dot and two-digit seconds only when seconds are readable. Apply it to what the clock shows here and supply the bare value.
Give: 2.51
